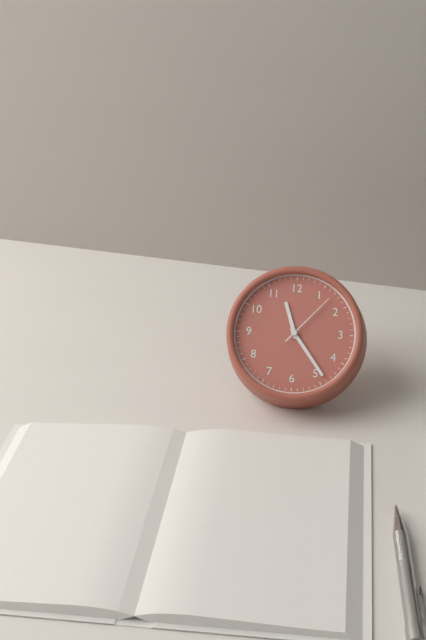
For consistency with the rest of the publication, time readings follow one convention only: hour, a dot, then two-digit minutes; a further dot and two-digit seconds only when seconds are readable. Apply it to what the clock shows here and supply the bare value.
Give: 11.24.07
